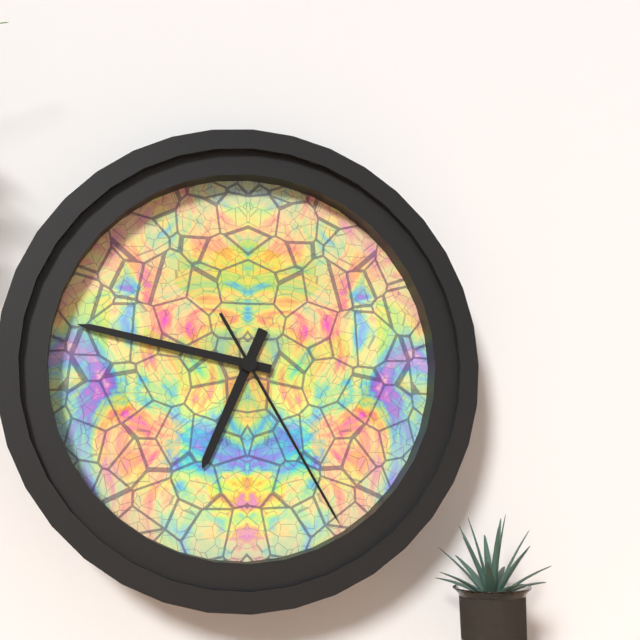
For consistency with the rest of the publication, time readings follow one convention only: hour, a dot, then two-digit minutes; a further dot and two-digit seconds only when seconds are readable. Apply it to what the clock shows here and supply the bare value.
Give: 6.47.25
